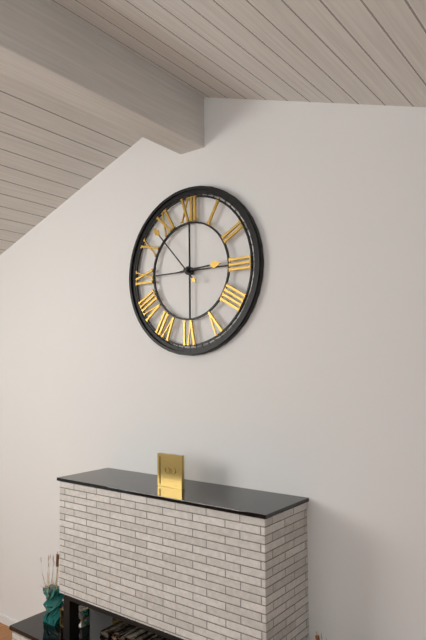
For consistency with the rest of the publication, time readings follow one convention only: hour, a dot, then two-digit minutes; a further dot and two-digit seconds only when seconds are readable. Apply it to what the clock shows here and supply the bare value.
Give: 2.53
